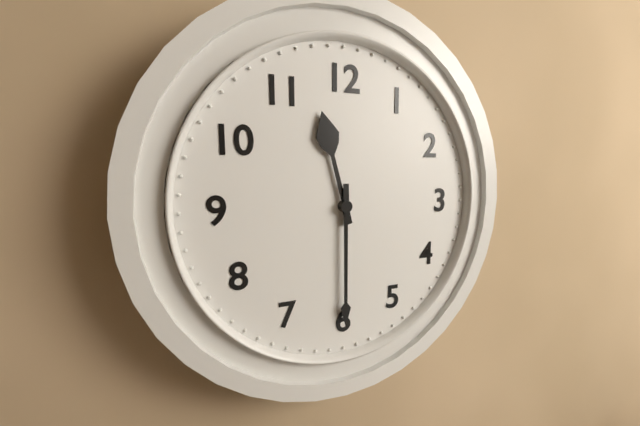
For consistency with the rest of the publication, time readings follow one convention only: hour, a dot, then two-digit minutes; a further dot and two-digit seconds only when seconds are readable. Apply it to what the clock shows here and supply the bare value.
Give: 11.30
